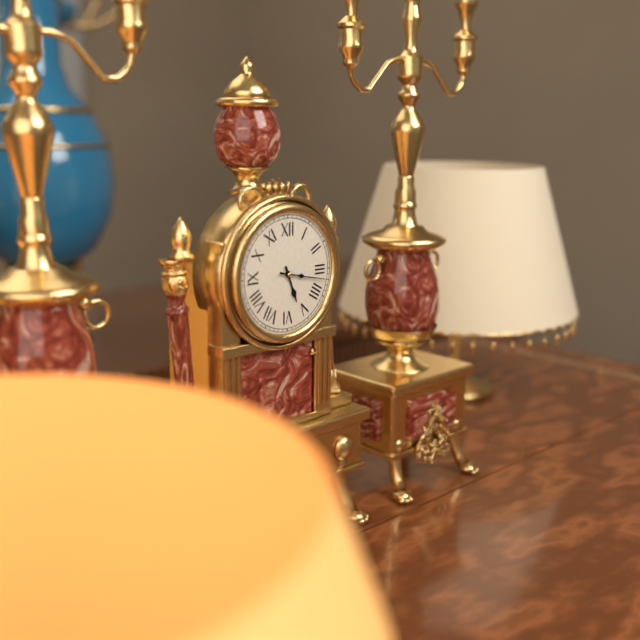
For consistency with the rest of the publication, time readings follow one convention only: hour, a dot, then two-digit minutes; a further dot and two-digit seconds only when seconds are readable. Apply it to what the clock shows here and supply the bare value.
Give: 5.17
